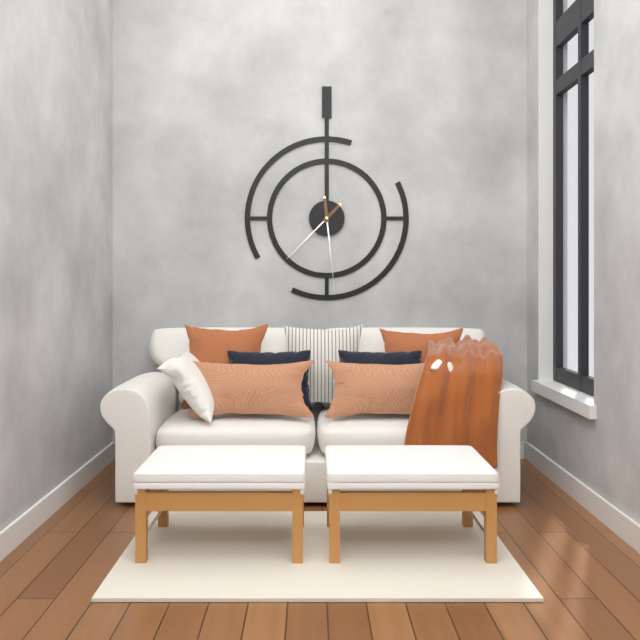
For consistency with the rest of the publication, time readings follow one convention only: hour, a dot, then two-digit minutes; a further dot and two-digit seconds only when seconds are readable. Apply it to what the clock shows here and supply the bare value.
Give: 7.29
